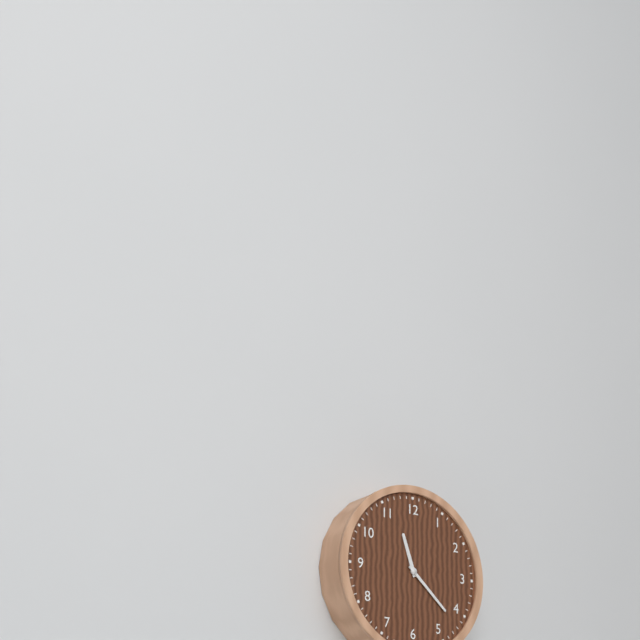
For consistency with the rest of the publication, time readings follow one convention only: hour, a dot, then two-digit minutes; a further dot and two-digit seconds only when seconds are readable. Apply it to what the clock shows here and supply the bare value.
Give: 11.22
